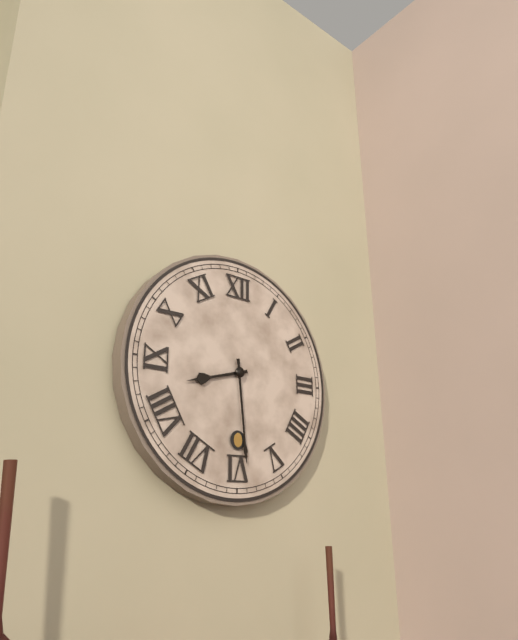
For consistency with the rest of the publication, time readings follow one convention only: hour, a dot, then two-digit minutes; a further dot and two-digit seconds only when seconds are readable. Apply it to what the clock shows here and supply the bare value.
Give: 8.29
